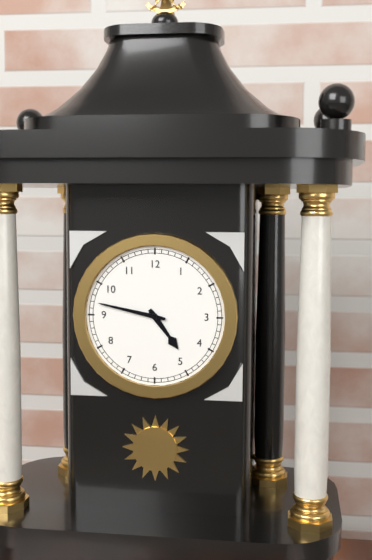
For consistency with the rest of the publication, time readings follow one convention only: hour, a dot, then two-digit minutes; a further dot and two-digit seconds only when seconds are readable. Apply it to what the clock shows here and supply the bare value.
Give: 4.47
